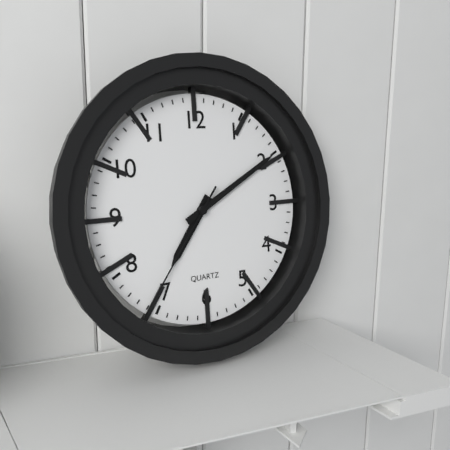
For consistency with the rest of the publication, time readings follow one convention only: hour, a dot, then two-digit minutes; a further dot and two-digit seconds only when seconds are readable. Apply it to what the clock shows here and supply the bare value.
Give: 7.10.36
